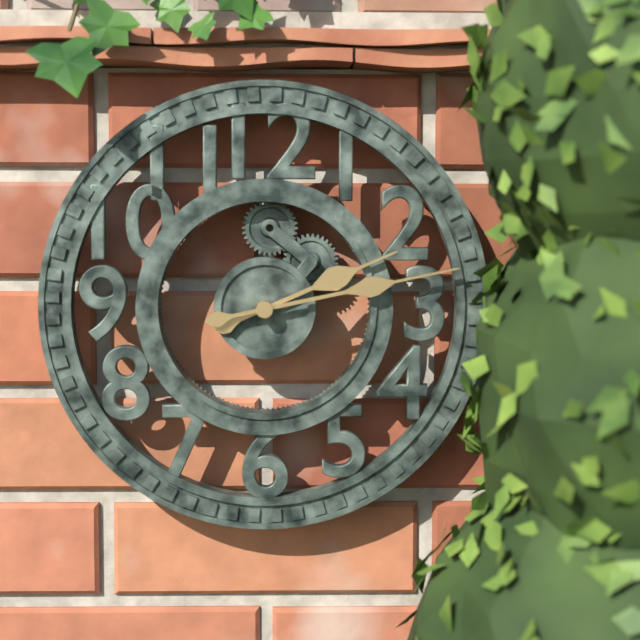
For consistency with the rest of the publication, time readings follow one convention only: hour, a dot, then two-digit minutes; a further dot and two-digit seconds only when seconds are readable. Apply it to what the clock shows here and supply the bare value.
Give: 2.13
